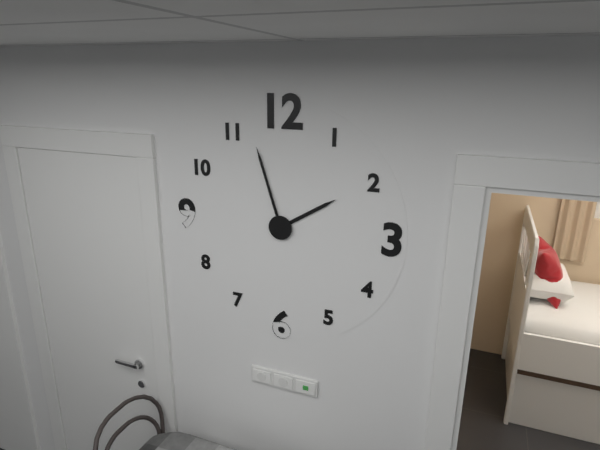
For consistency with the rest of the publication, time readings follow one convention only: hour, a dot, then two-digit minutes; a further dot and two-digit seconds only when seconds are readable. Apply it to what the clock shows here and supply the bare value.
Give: 1.57
